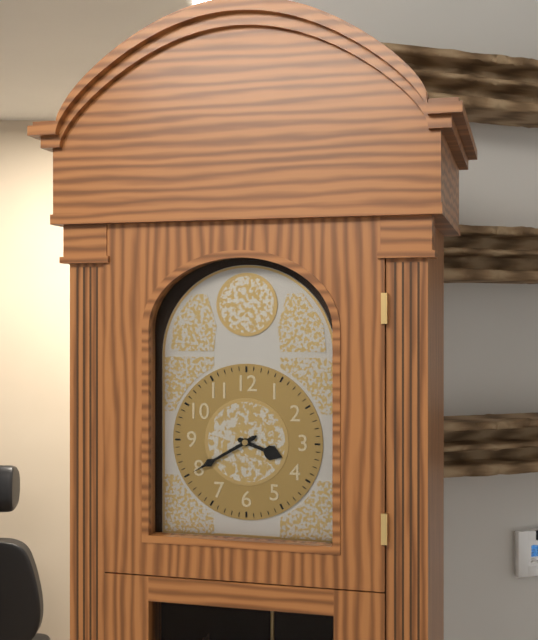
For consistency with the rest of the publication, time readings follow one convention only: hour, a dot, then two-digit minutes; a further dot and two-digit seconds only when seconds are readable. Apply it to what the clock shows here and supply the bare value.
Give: 3.40
